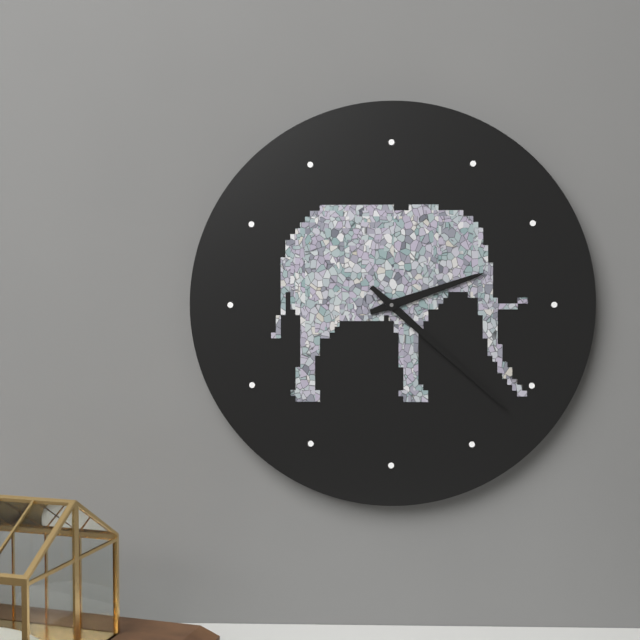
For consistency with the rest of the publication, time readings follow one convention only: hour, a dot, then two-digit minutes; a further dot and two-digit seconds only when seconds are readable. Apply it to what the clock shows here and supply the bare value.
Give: 2.22
